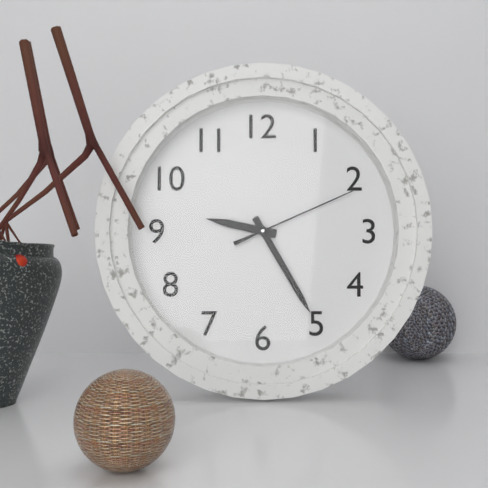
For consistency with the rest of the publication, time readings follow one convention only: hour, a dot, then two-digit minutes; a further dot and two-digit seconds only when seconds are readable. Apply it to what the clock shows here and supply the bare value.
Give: 9.25.11
